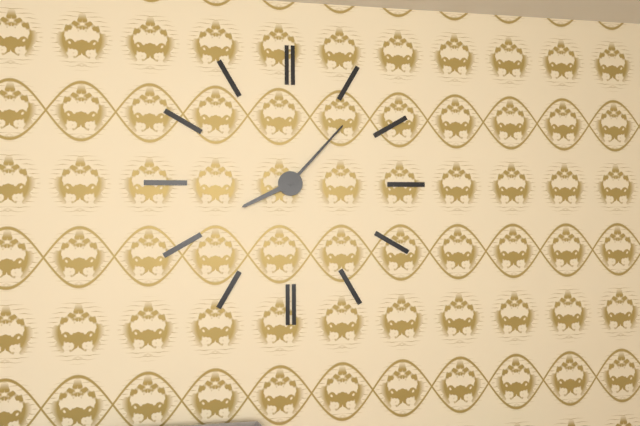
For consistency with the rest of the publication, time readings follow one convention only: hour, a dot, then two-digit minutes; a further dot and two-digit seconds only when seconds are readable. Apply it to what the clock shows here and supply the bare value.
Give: 8.07
